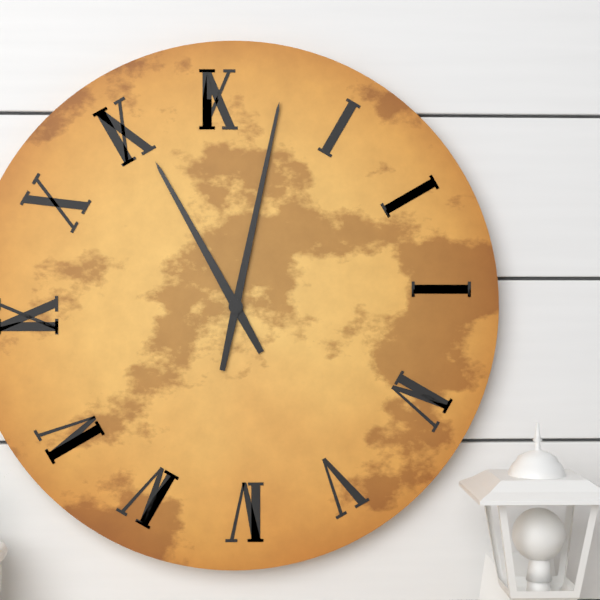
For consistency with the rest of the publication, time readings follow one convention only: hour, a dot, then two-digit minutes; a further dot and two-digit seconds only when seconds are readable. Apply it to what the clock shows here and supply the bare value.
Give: 11.02
